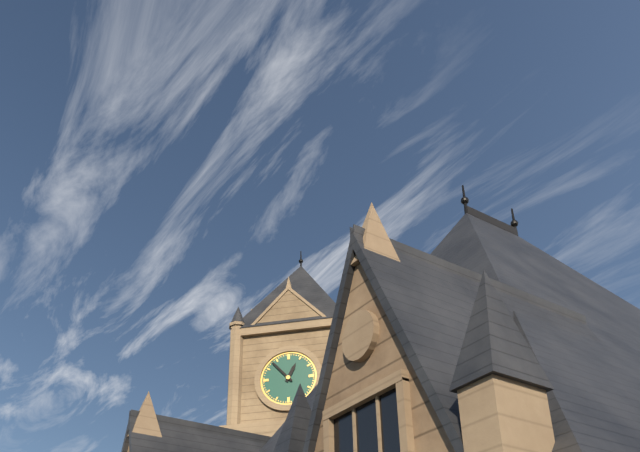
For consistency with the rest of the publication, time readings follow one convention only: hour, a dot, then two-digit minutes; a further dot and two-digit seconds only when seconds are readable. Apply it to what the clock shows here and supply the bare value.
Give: 12.53
